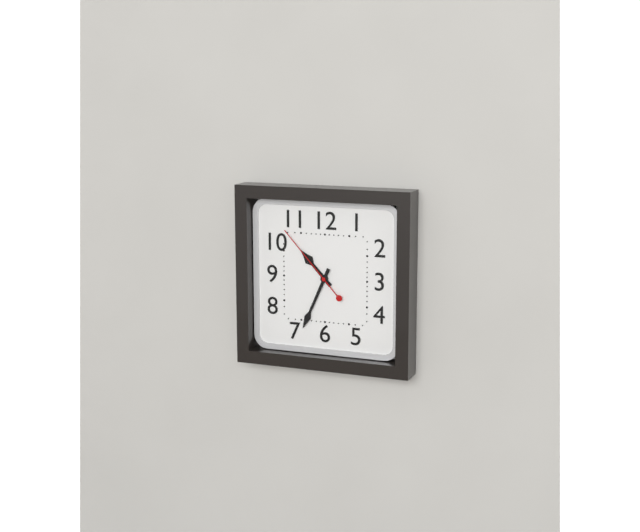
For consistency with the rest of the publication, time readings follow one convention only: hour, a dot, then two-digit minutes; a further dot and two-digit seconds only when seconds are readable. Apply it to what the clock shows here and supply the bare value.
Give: 10.34.53
